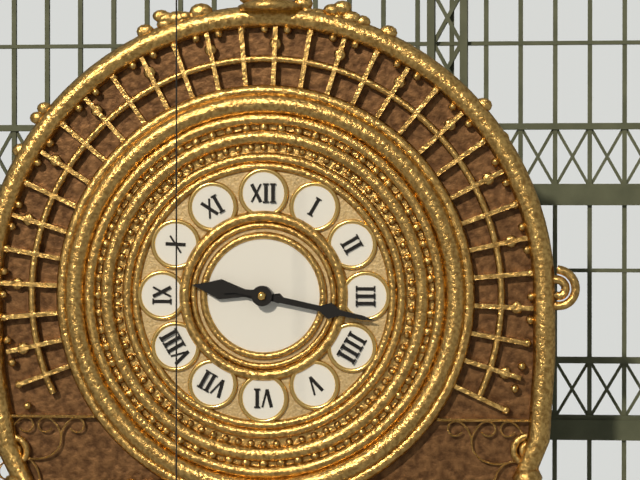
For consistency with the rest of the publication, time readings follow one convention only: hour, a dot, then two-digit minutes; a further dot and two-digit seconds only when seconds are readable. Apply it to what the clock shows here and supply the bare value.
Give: 9.17
